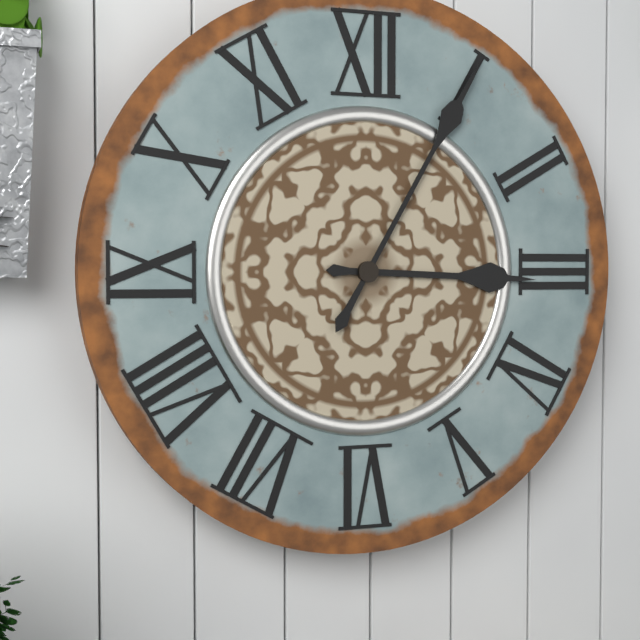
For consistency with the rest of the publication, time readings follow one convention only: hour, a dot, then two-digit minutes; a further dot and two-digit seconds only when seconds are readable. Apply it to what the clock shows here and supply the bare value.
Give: 3.05
